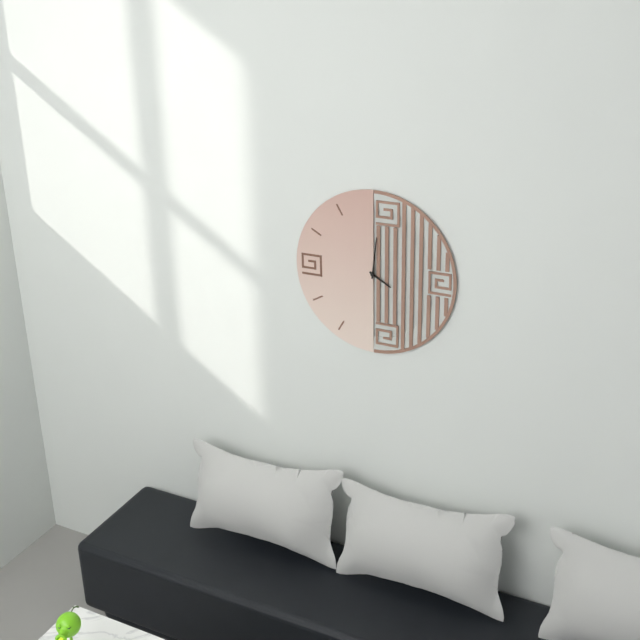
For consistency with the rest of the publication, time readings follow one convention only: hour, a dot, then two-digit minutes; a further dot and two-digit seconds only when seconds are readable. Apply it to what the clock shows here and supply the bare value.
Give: 4.01
